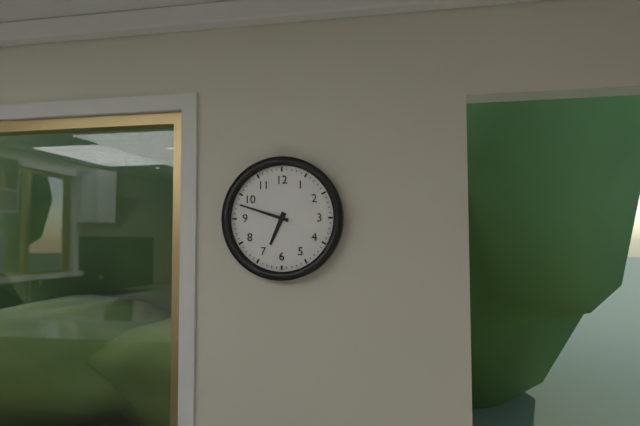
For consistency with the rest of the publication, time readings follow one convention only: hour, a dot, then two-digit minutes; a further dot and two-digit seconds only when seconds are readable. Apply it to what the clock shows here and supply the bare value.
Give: 6.48
